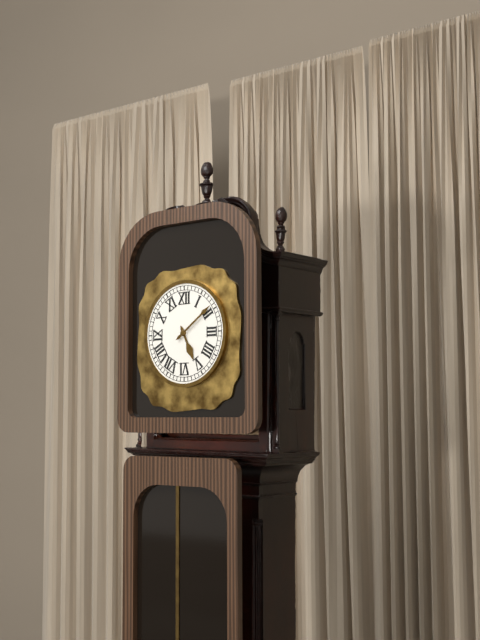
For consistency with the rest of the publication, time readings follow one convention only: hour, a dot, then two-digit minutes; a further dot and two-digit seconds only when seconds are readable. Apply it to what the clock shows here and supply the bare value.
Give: 5.09
